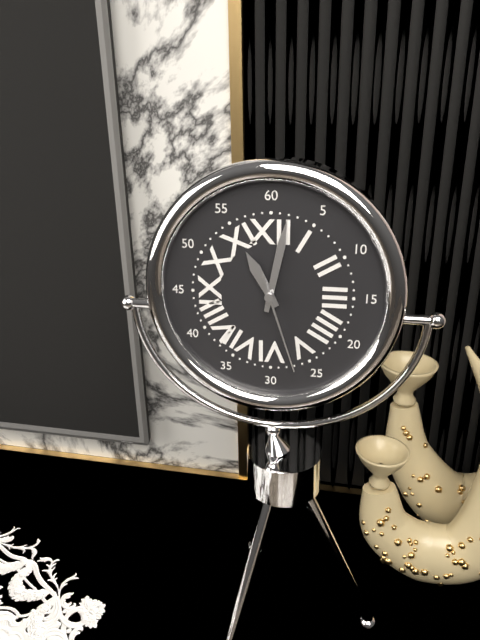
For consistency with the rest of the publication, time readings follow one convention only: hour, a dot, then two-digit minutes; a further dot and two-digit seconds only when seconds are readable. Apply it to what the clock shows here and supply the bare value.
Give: 11.02.27
